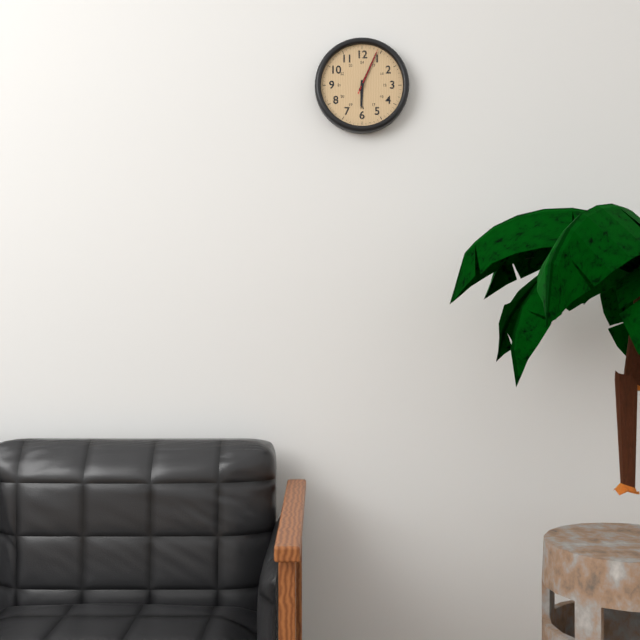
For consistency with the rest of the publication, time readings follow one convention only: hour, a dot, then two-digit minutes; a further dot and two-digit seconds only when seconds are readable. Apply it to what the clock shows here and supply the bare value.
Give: 6.04
